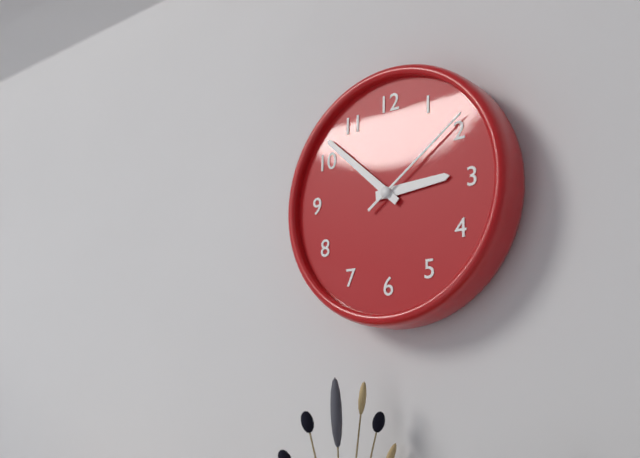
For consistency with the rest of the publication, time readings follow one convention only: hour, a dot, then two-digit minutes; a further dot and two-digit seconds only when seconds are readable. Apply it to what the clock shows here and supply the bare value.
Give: 2.52.09
